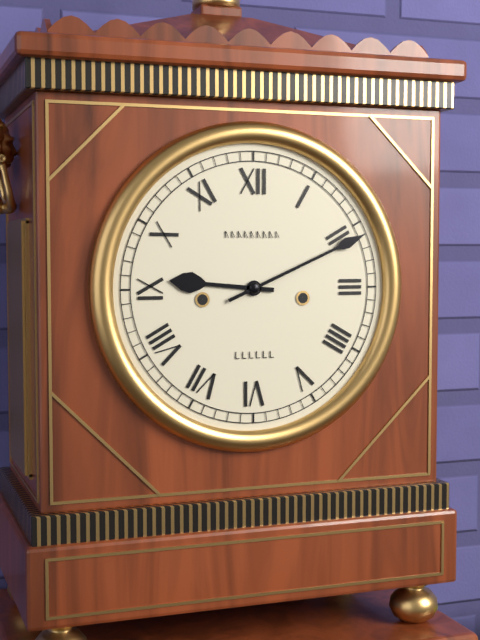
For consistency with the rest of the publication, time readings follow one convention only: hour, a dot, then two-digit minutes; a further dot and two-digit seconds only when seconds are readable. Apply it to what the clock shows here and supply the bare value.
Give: 9.11
